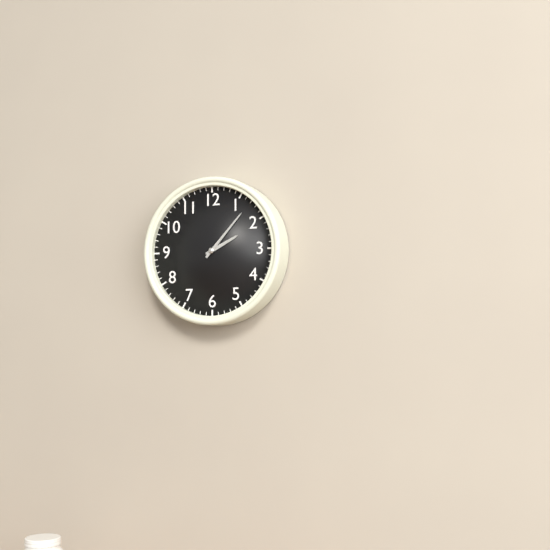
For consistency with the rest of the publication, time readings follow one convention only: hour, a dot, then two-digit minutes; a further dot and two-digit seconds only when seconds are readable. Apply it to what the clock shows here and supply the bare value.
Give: 2.07
